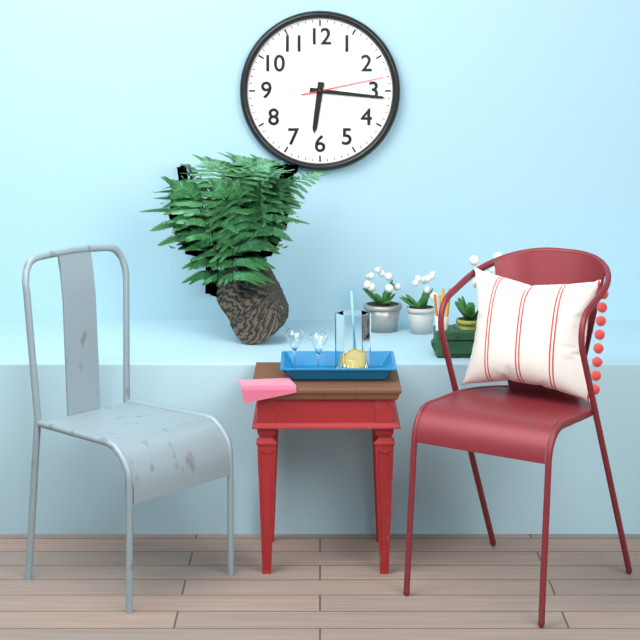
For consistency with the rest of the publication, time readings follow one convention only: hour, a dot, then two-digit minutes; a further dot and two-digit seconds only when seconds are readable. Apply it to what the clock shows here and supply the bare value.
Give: 6.16.13
